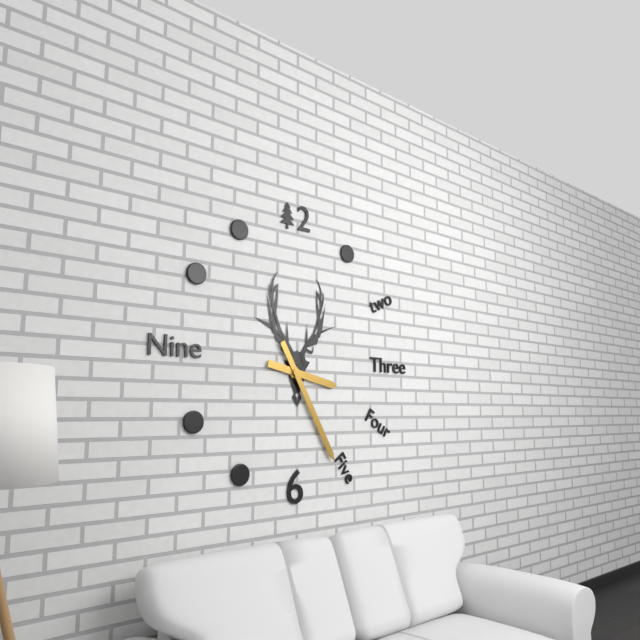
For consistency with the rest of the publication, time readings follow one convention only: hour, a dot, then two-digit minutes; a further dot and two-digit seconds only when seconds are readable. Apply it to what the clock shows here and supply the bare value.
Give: 3.25
